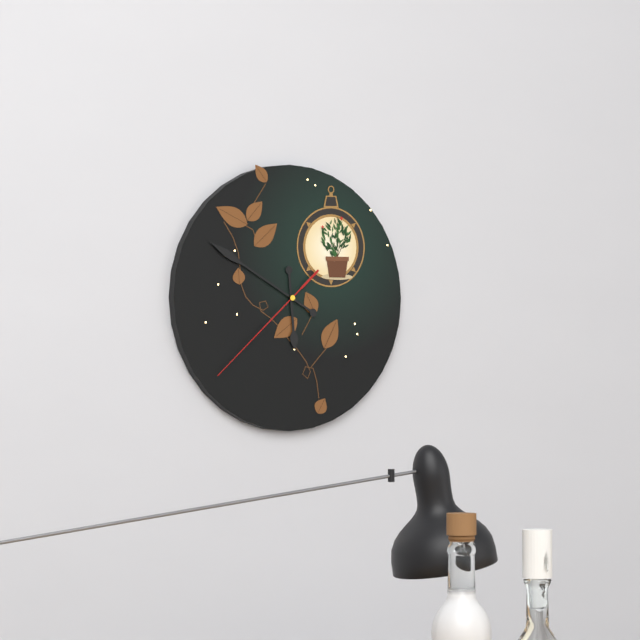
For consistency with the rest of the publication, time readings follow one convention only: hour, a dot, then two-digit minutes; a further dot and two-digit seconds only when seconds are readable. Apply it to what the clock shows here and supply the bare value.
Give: 5.50.38
